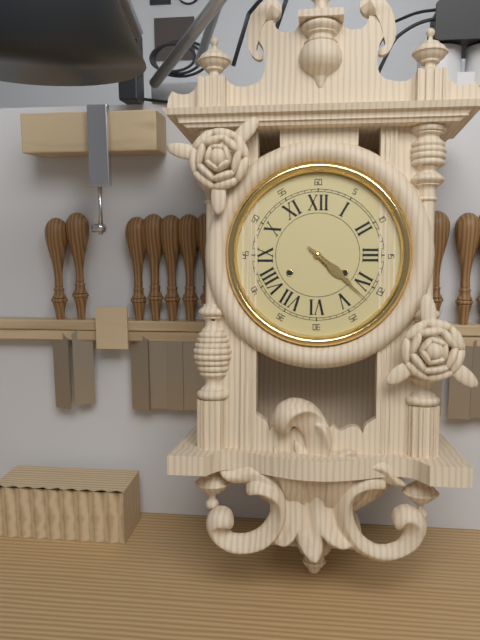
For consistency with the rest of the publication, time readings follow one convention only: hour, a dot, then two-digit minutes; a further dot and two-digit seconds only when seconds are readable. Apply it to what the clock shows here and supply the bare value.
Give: 4.22
